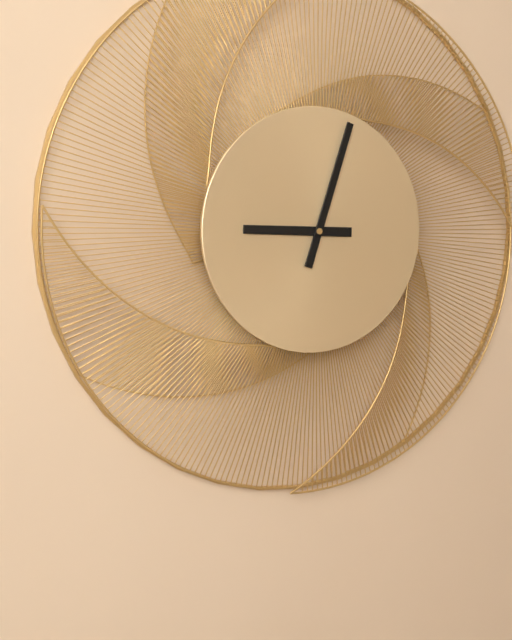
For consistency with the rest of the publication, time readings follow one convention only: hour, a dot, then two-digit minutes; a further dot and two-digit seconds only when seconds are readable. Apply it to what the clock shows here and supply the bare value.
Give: 9.03
